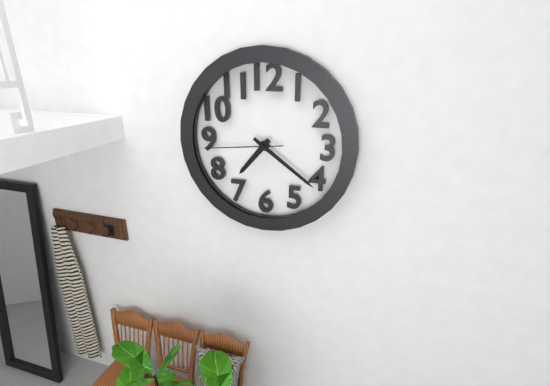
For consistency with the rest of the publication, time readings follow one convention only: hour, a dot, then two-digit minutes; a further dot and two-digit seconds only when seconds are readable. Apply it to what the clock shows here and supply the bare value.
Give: 7.21.44
